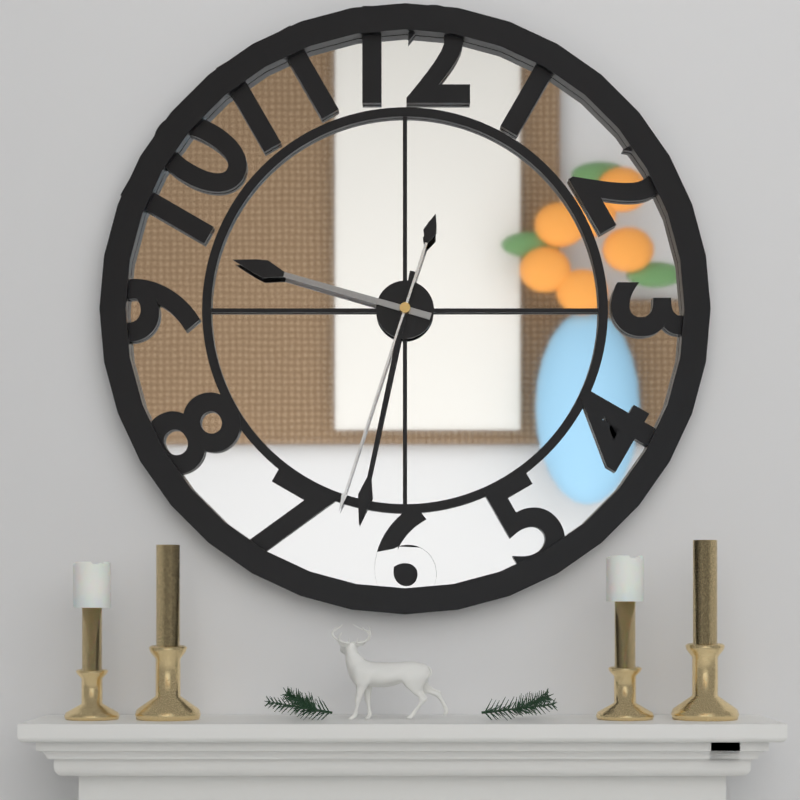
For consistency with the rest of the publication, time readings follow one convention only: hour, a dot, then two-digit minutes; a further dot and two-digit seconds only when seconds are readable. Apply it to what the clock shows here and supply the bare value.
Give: 9.32.33
